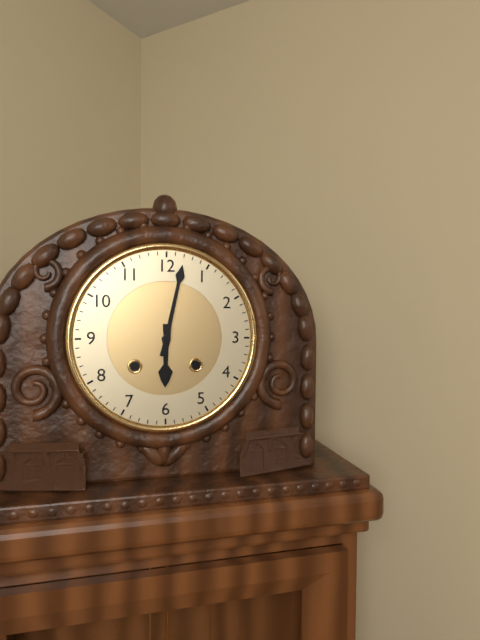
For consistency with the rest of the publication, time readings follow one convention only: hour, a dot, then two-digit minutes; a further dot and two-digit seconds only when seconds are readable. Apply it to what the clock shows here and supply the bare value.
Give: 6.02
